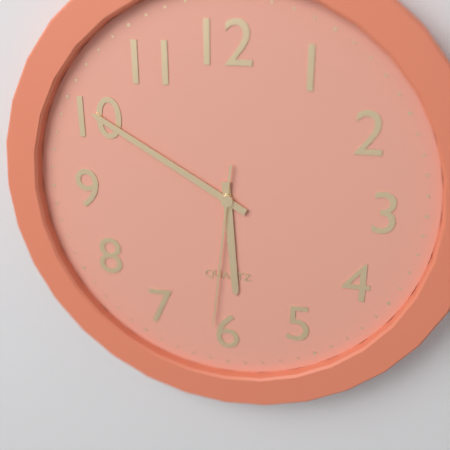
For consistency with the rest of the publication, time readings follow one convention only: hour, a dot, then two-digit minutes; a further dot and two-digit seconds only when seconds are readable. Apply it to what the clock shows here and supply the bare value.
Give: 5.50.31
